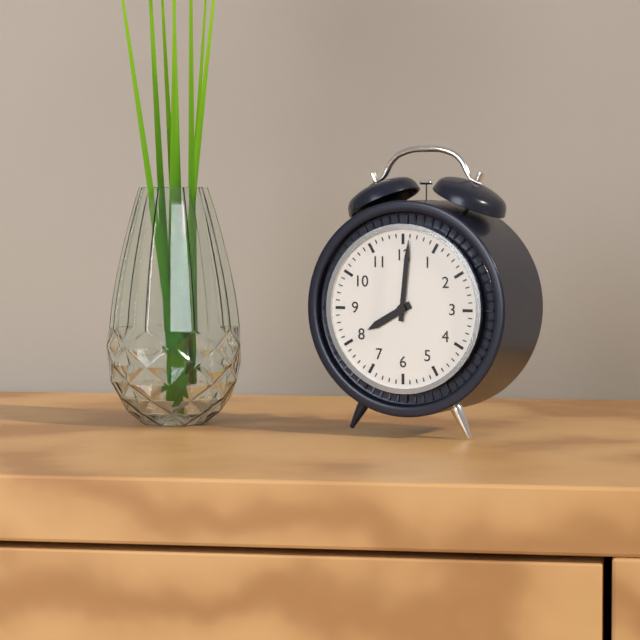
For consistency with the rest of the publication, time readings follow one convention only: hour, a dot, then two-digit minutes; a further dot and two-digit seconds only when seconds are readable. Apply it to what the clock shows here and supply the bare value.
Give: 8.01
